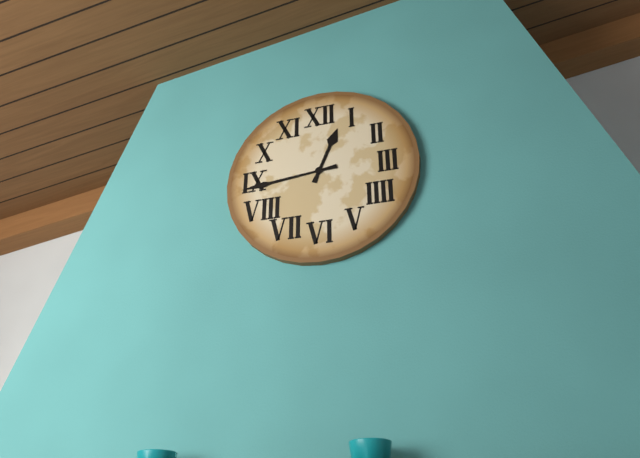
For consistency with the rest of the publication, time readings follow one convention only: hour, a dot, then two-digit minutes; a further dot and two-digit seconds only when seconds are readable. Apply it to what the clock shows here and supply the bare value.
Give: 12.44
